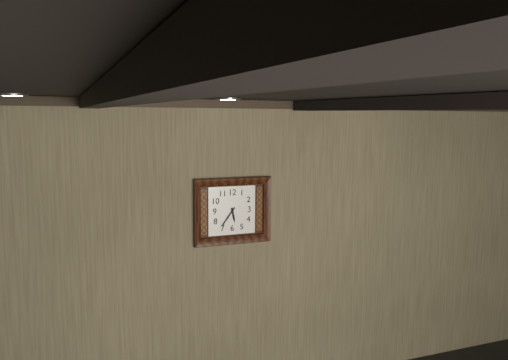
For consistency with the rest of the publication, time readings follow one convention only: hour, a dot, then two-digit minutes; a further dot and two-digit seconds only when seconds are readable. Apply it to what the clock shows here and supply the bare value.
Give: 5.36
